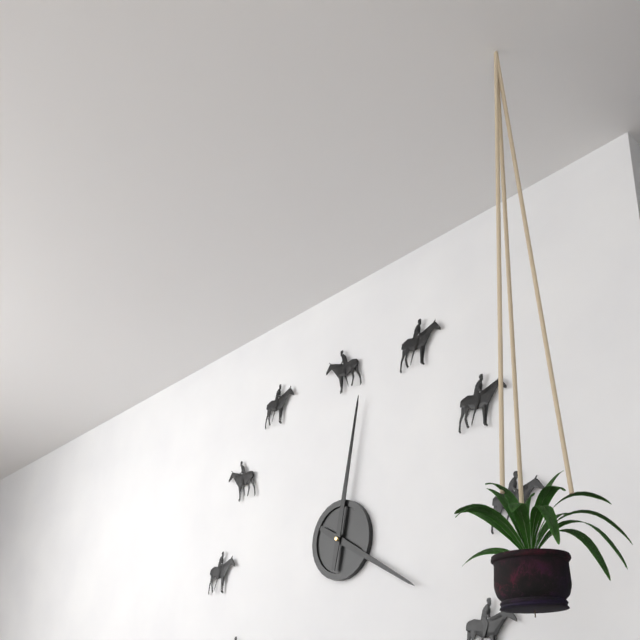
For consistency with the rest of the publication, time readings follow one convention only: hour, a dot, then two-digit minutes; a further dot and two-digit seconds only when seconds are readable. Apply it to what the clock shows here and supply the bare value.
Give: 4.02
